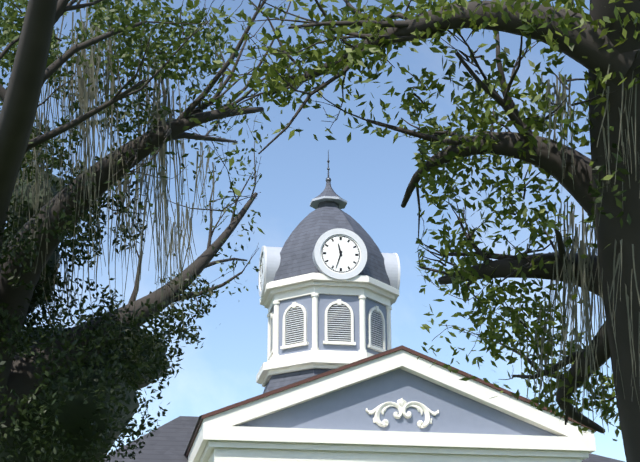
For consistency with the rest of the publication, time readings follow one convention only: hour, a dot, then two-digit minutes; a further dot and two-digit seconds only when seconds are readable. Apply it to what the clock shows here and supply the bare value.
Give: 11.33
